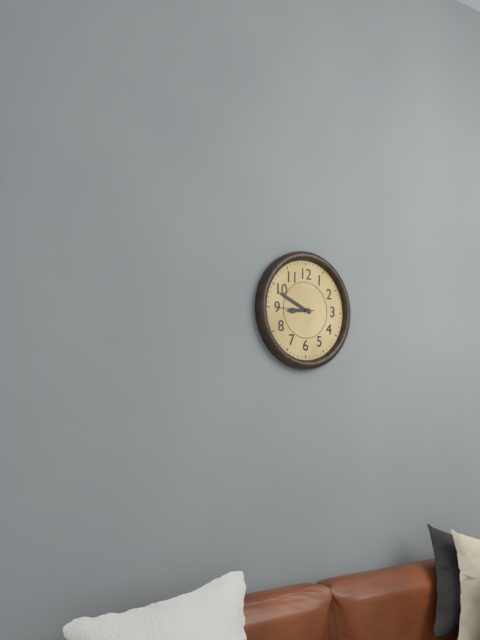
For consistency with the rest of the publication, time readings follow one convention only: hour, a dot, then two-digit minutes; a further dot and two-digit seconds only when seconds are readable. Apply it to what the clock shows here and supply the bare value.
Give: 8.49
